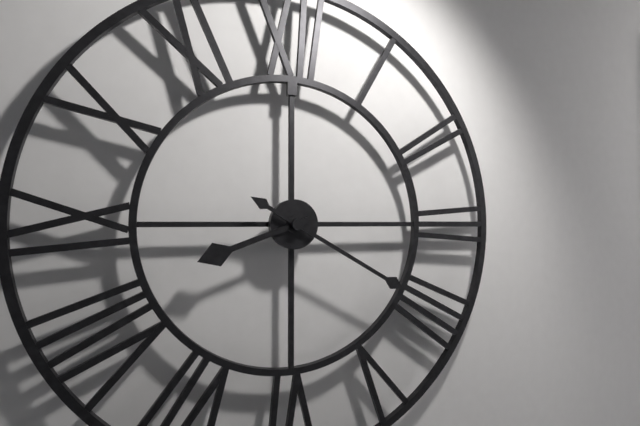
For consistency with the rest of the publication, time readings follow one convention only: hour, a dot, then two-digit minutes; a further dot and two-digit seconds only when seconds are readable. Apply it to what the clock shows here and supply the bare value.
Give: 8.20
